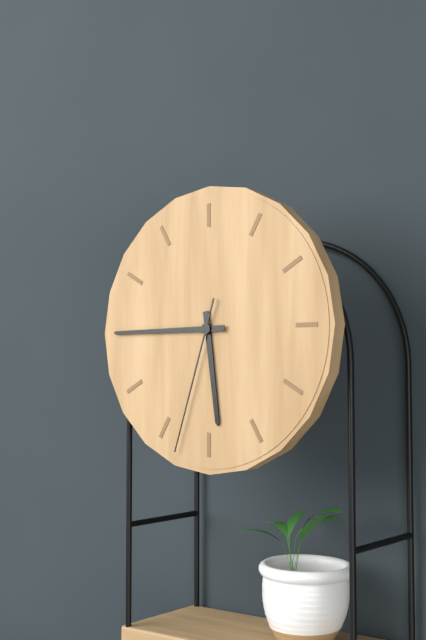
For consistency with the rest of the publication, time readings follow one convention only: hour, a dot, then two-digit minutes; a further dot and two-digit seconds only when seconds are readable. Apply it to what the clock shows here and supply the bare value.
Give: 5.45.33
